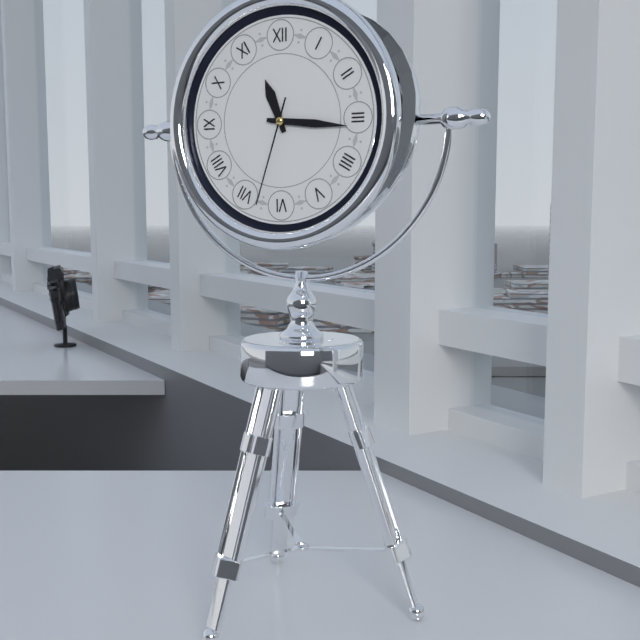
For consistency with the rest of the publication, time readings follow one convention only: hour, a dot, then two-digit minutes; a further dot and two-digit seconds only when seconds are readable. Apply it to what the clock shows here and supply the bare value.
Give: 11.16.33
